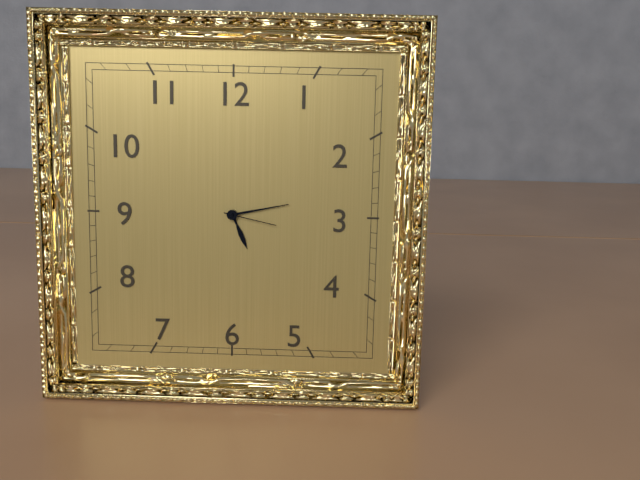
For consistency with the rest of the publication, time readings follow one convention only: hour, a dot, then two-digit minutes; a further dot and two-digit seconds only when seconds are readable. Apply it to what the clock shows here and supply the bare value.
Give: 5.13.17
